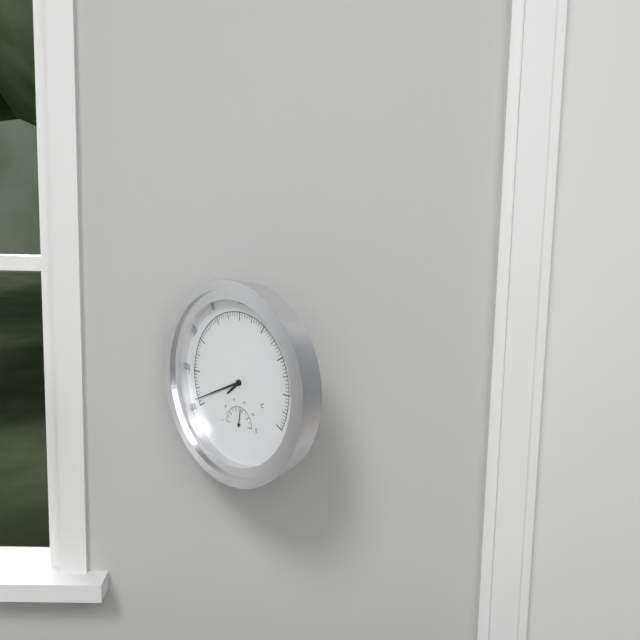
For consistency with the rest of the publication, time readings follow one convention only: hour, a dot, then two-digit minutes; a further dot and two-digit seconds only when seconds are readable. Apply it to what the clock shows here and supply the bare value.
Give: 7.41
